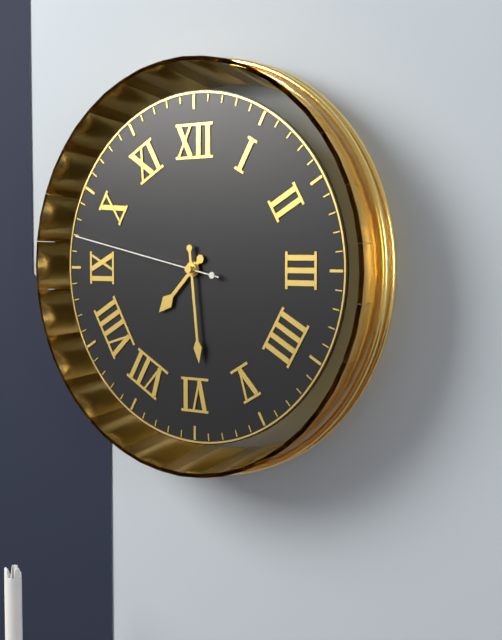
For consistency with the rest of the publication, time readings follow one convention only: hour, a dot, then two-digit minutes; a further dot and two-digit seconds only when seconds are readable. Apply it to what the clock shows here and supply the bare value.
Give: 7.29.47
